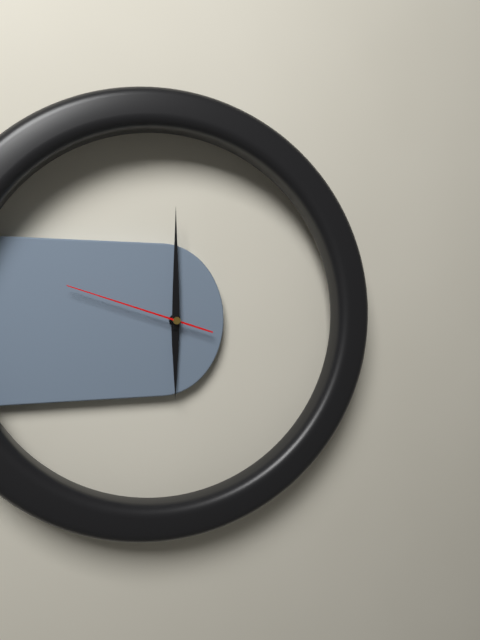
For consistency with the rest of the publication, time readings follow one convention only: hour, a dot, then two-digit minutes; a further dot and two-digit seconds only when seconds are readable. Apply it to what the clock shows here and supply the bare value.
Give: 6.00.48
